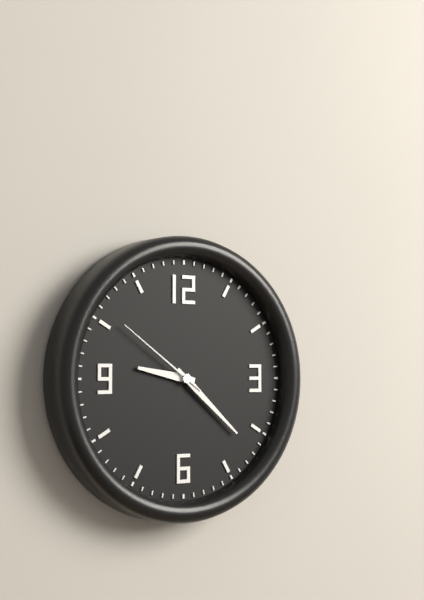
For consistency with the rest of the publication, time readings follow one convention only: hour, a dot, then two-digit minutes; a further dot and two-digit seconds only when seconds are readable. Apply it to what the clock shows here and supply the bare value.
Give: 9.22.51
